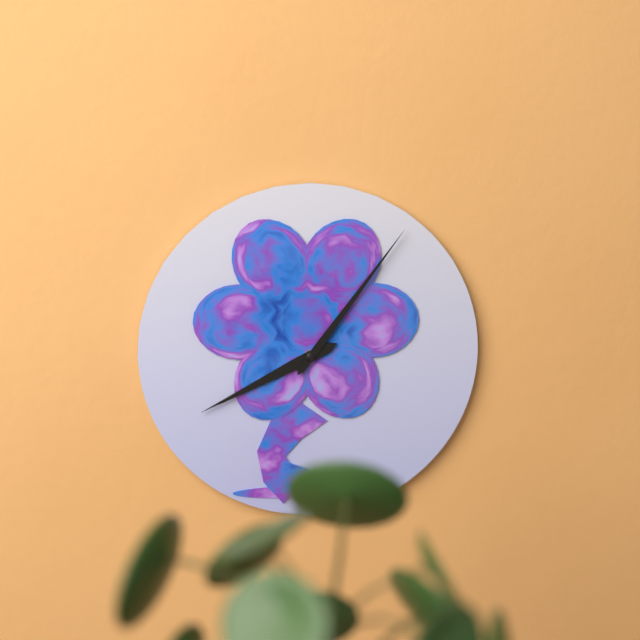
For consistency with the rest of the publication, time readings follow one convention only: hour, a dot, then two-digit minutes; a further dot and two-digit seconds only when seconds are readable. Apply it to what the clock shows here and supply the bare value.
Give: 8.06
